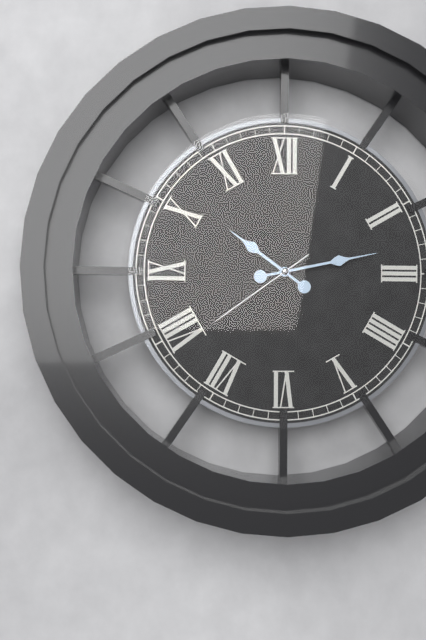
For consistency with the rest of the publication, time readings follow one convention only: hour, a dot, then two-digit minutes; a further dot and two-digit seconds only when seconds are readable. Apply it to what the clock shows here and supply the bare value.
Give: 10.13.39
